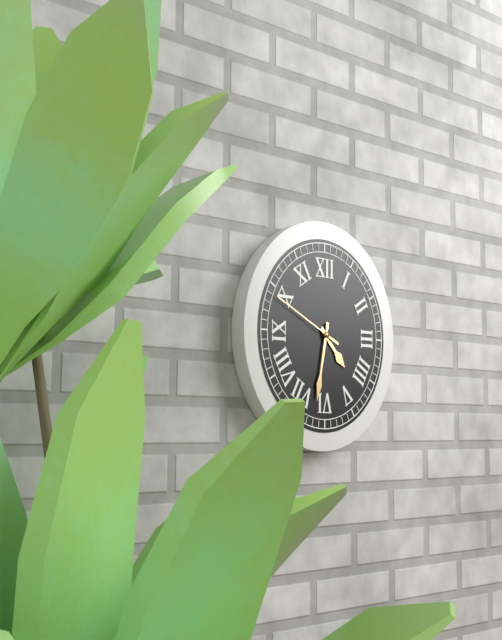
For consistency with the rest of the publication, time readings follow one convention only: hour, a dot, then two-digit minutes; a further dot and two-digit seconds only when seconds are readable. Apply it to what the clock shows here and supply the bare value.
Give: 4.32.49
